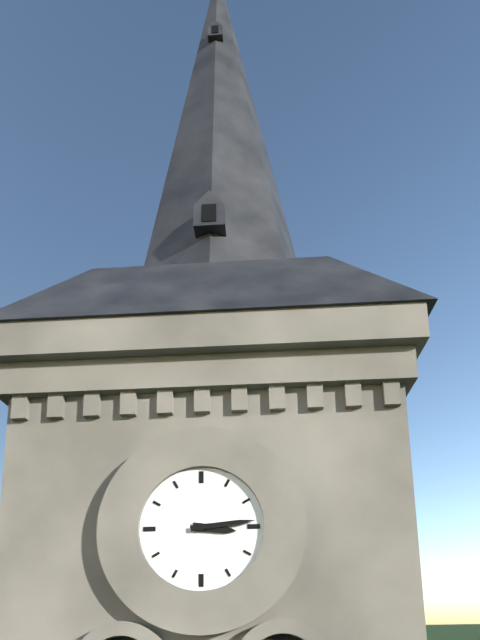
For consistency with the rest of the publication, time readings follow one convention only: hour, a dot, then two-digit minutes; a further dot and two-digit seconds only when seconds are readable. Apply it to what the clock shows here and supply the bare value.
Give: 3.14
